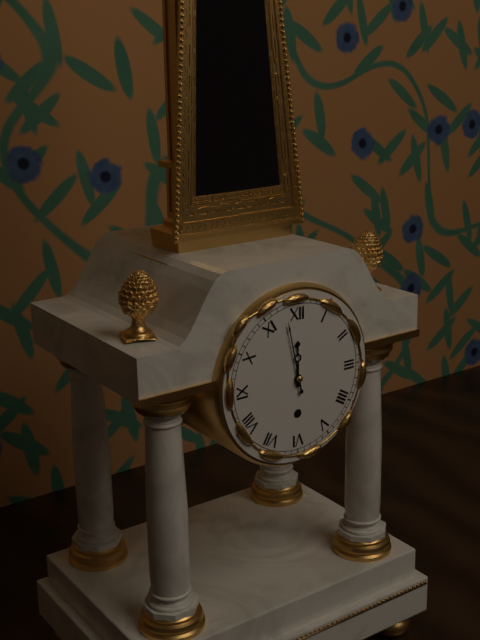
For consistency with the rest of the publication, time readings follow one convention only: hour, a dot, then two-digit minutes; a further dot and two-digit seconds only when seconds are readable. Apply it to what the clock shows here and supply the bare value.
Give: 11.58
